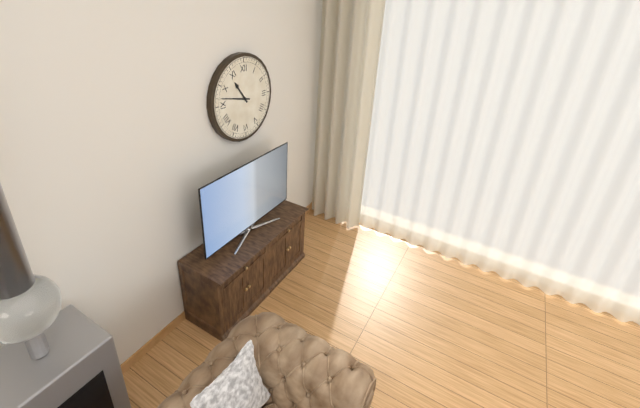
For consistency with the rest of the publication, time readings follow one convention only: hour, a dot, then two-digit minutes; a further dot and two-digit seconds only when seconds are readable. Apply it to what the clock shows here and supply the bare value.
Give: 10.47
